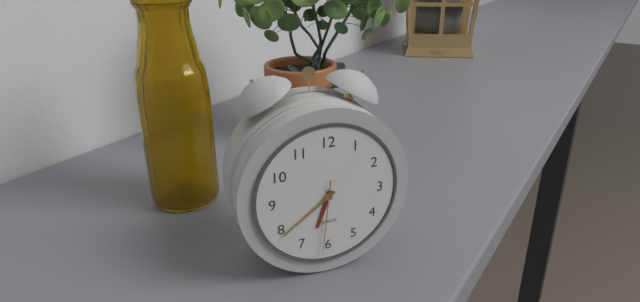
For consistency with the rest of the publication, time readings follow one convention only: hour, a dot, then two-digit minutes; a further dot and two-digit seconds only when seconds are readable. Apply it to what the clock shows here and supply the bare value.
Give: 6.39.31
